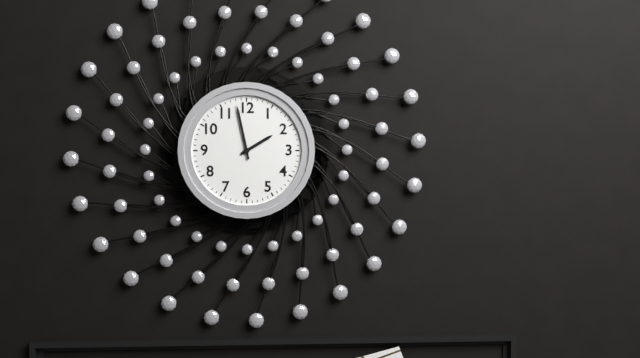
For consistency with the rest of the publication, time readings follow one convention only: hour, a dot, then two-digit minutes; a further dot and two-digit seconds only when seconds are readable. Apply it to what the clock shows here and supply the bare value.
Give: 1.58
